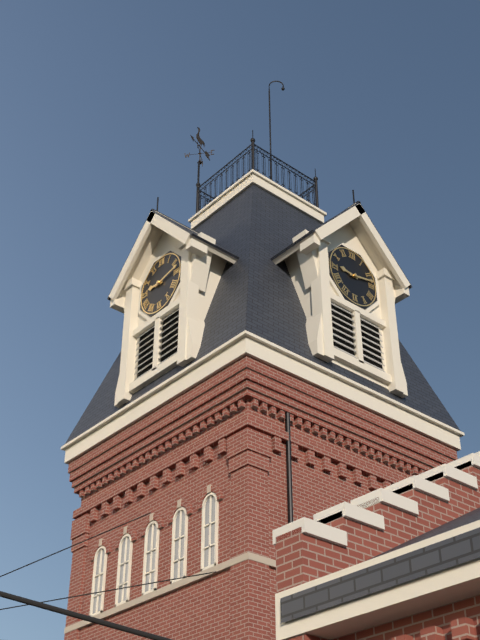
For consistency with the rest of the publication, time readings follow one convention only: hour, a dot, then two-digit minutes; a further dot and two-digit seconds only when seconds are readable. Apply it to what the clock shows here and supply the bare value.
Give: 9.13
